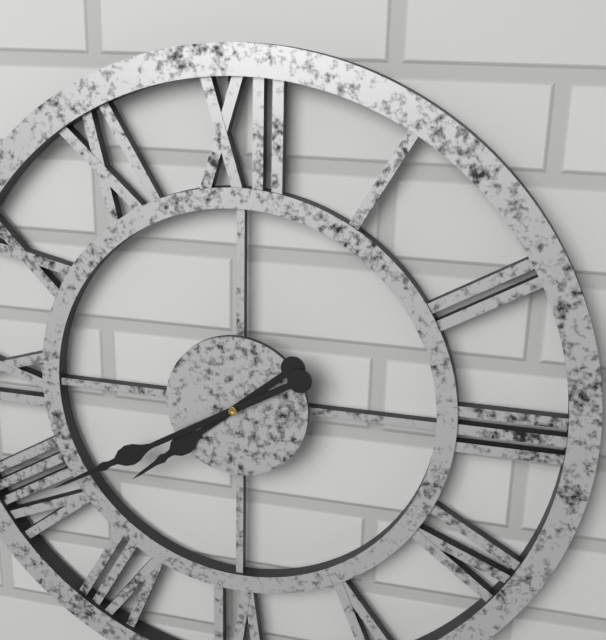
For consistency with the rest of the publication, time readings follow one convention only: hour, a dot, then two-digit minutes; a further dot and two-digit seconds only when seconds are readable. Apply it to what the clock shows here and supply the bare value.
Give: 7.40
